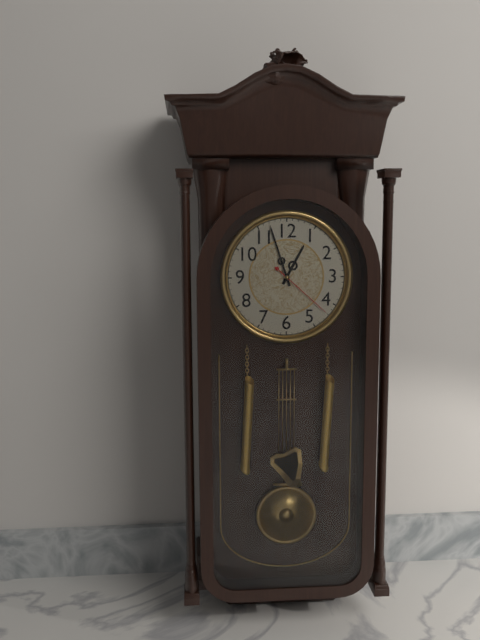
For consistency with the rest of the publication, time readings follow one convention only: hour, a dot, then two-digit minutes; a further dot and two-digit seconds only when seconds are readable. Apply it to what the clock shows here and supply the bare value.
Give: 12.57.22
